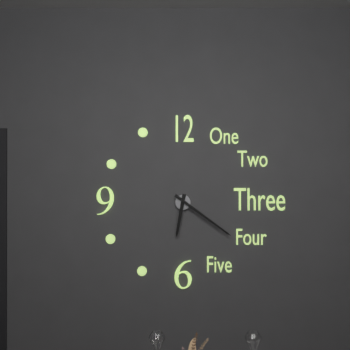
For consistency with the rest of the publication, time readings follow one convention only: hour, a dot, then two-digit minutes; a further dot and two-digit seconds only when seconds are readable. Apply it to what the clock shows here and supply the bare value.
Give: 6.21
